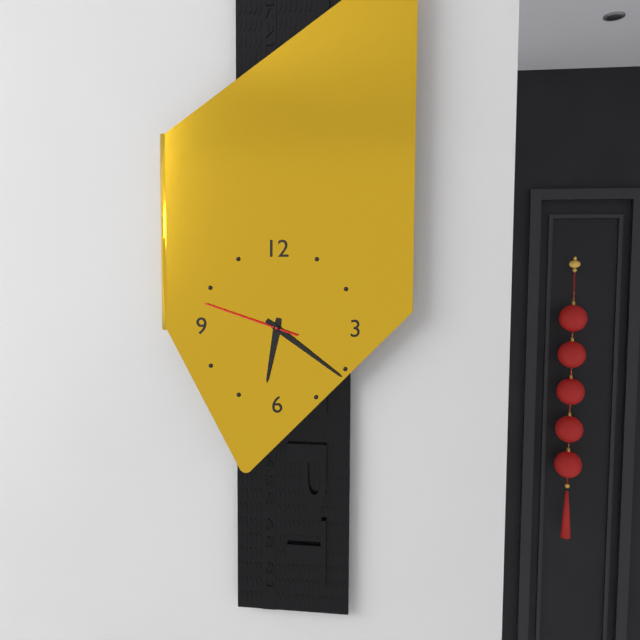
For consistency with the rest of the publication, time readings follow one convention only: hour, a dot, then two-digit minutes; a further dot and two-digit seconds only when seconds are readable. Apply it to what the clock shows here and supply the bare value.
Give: 6.21.48
